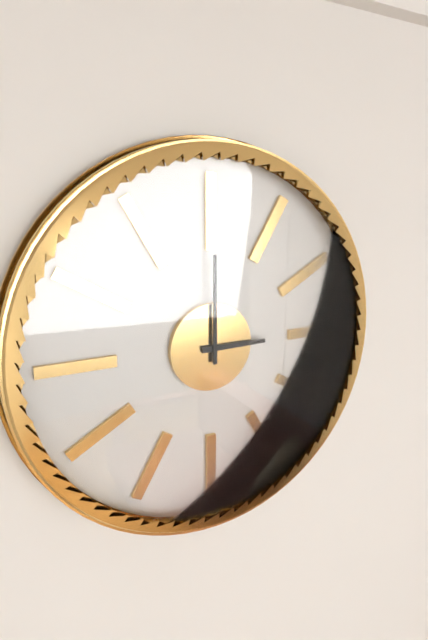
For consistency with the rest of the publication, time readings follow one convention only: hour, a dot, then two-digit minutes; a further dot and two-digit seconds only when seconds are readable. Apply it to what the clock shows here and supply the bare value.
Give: 3.00
